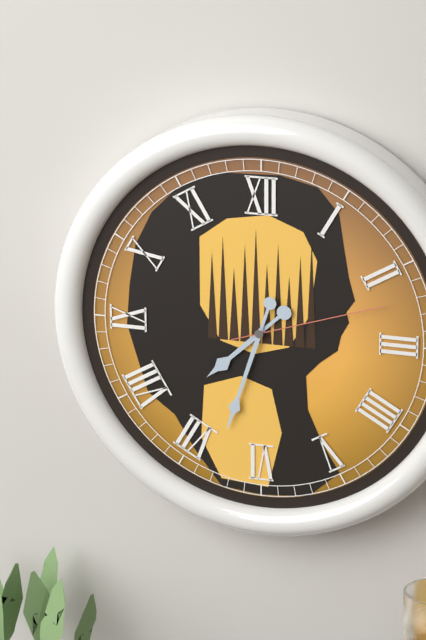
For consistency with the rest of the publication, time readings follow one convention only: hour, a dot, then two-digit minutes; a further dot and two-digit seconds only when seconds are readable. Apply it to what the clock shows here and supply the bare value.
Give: 7.33.12
